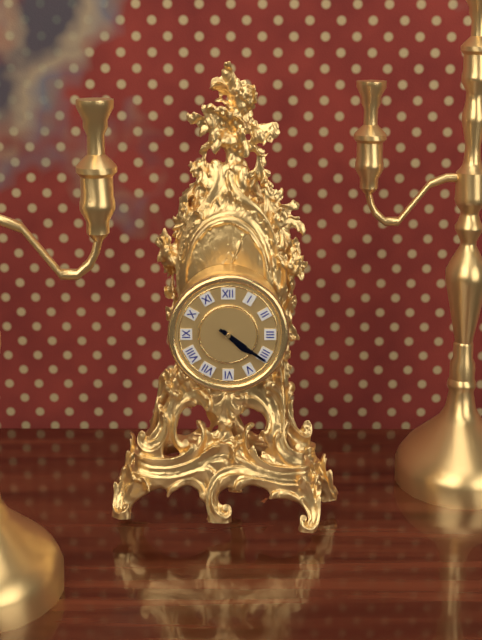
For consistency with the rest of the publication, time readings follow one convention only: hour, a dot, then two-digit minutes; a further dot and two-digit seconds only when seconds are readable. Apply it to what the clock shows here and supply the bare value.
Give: 4.21
